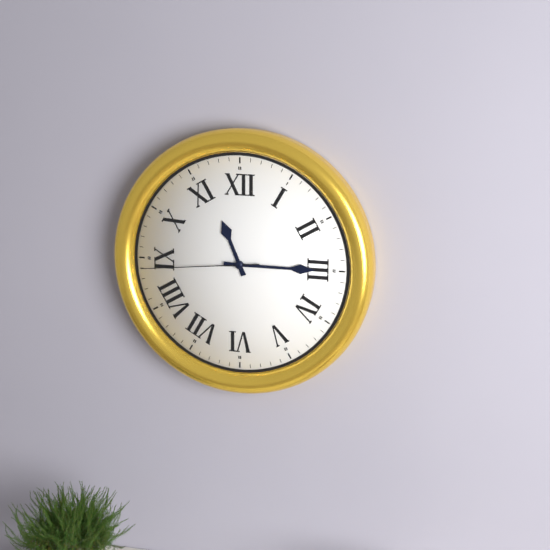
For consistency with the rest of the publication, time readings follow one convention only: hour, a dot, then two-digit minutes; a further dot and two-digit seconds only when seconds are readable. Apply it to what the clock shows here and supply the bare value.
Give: 11.15.44
